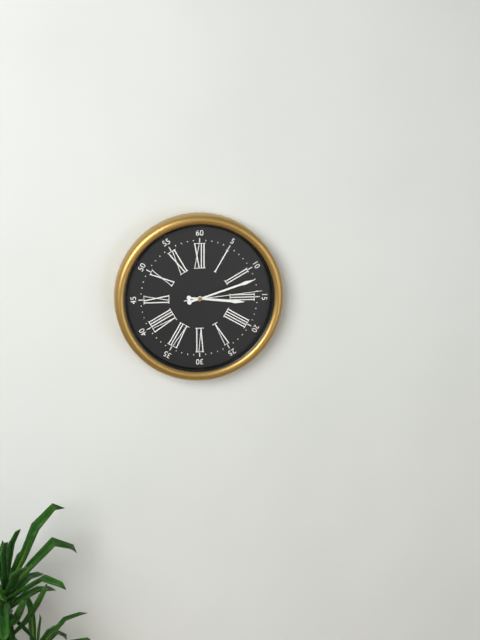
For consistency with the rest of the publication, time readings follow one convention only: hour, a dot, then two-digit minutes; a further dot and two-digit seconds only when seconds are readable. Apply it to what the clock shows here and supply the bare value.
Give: 3.12.14
